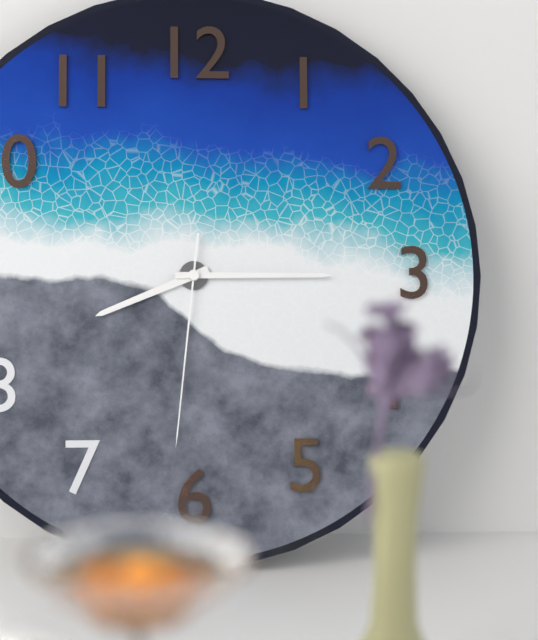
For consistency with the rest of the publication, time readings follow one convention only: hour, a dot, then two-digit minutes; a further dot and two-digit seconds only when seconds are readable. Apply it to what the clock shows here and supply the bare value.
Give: 8.15.31
